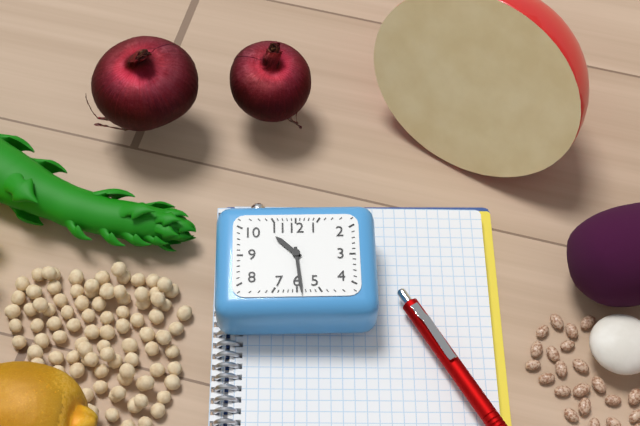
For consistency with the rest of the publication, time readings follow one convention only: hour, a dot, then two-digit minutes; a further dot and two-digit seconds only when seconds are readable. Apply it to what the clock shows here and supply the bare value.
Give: 10.29
